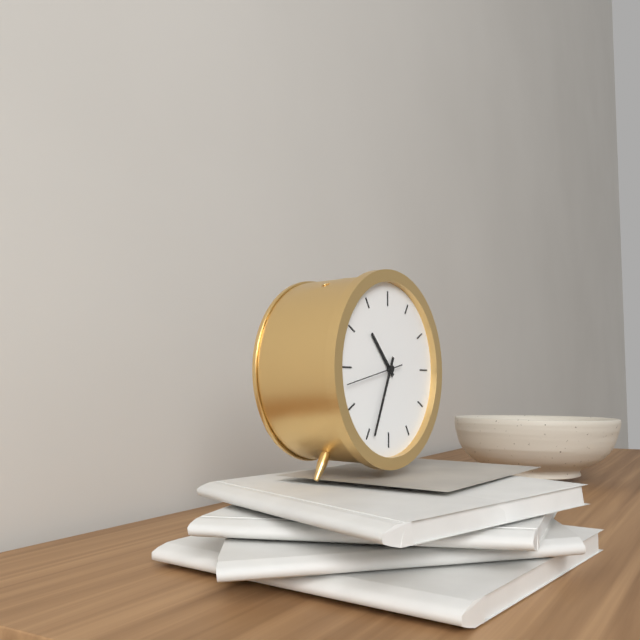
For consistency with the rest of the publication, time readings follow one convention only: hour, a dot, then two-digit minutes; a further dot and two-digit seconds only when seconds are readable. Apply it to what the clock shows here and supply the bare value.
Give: 10.34.43
